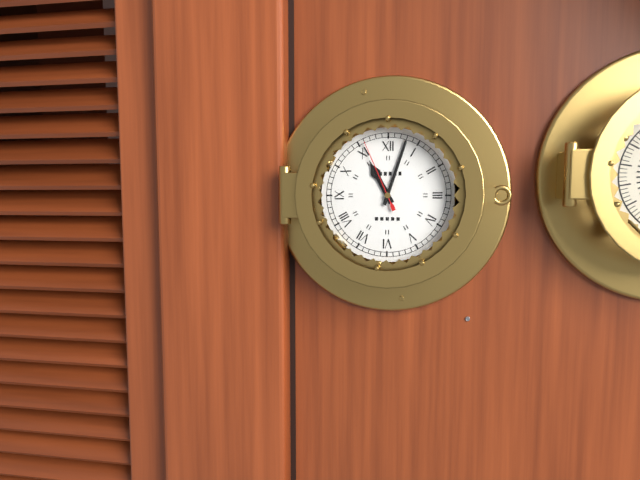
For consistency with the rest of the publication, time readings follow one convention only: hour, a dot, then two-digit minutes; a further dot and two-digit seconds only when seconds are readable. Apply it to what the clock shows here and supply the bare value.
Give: 11.03.56
